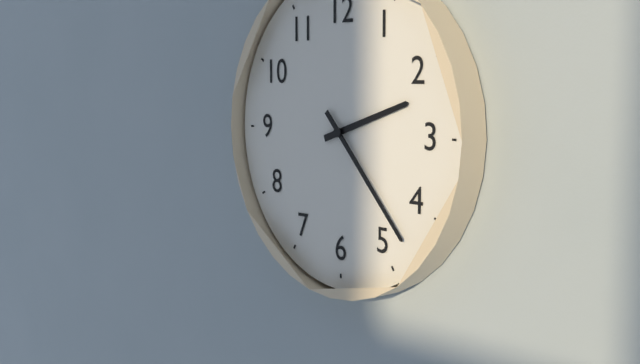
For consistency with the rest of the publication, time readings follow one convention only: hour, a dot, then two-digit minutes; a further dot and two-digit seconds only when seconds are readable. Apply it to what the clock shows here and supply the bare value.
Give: 2.23
